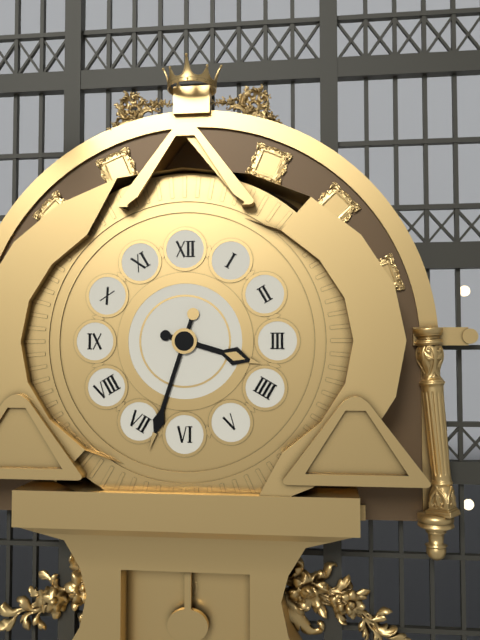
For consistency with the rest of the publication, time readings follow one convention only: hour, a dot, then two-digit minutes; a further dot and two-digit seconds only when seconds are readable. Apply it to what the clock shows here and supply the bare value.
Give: 3.33
